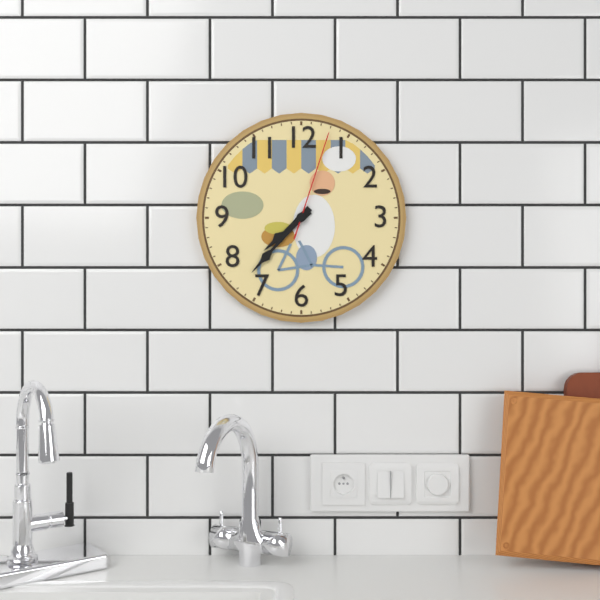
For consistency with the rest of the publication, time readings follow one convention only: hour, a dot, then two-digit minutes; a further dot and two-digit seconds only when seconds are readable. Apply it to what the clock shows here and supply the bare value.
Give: 7.37.03
